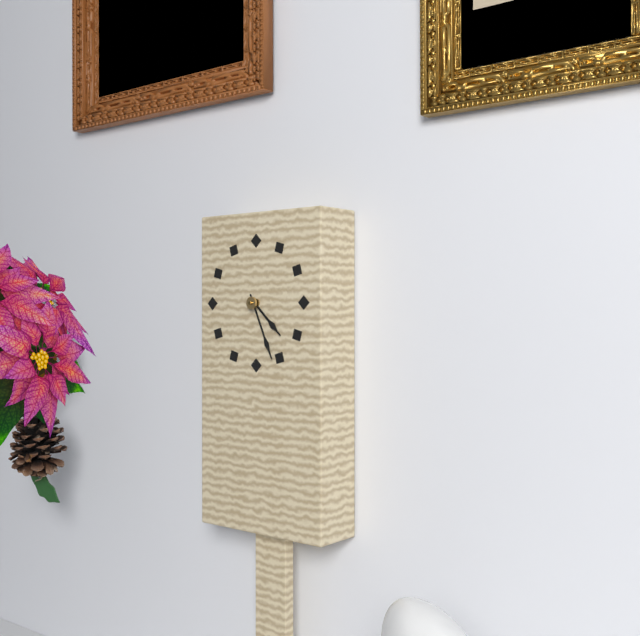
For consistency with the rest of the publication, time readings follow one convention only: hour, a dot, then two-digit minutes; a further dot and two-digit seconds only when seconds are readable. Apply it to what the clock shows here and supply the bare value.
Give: 4.26
